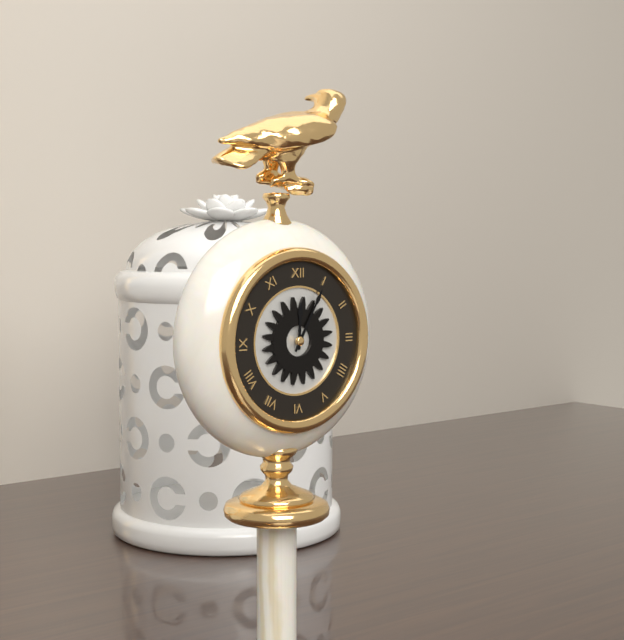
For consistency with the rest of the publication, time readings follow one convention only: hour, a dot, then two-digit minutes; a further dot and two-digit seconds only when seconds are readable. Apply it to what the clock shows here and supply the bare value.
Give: 12.05
